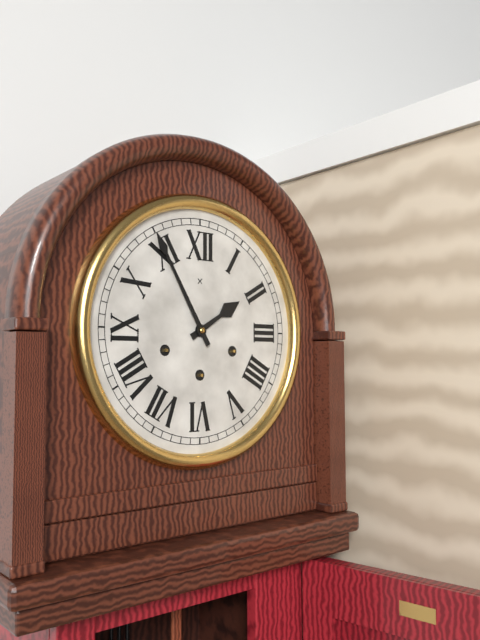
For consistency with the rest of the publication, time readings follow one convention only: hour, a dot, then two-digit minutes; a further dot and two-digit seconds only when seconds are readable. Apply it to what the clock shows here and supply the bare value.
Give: 1.55
